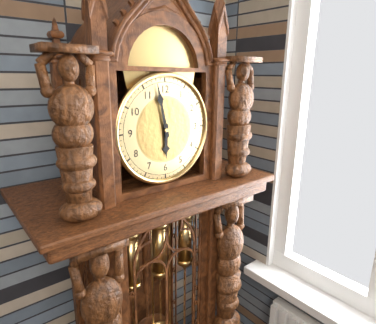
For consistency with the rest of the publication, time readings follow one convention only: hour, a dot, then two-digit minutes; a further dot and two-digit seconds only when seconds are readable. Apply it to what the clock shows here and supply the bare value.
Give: 5.58
